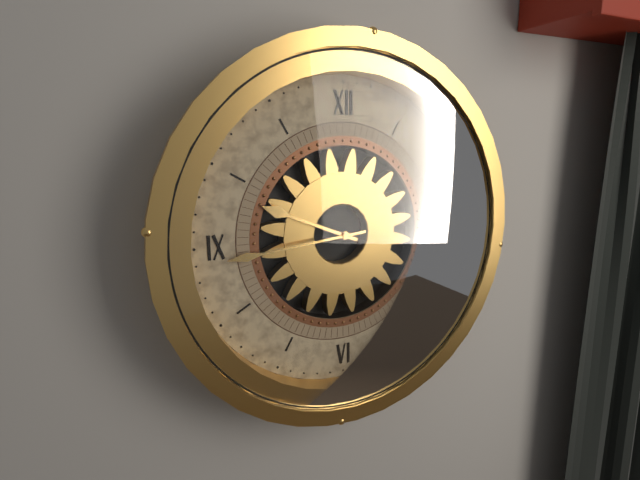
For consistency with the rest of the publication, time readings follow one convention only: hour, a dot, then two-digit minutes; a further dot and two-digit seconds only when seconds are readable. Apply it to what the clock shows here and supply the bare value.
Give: 9.44
